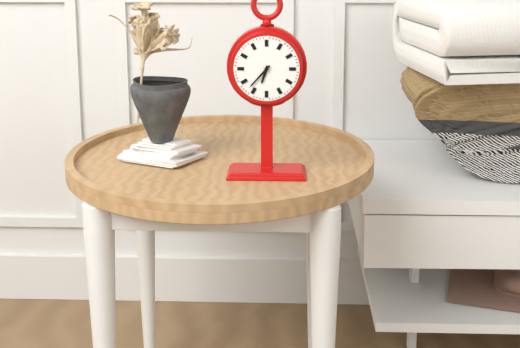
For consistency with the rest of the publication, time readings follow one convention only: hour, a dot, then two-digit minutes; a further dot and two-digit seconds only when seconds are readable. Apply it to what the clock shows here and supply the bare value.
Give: 6.37
